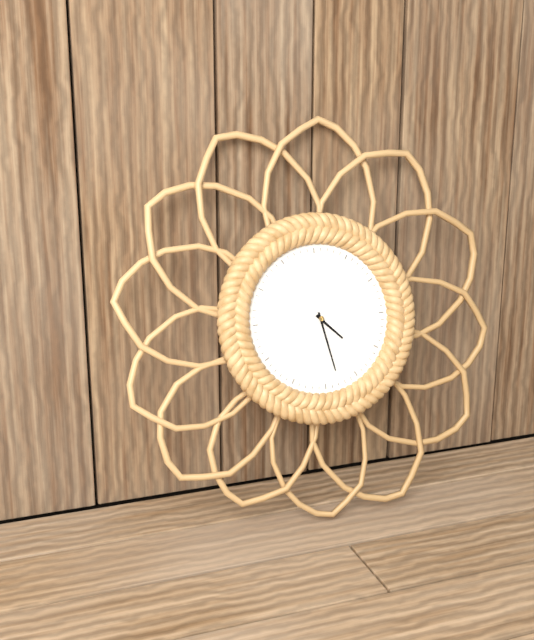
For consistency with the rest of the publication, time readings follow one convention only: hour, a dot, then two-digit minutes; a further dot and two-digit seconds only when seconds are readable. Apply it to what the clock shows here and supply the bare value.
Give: 4.28
